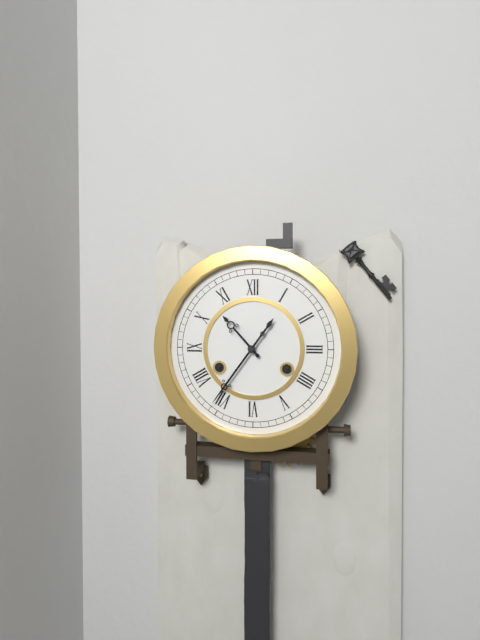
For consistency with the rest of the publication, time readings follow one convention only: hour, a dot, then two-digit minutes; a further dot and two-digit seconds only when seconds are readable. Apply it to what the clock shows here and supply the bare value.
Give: 10.36
